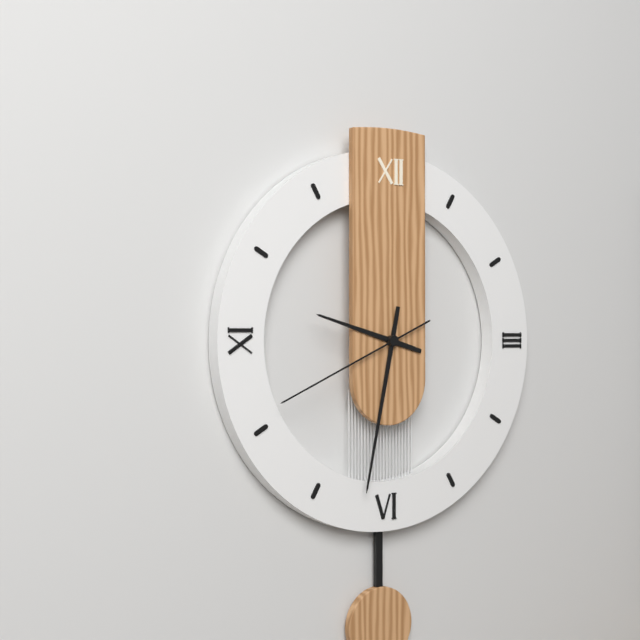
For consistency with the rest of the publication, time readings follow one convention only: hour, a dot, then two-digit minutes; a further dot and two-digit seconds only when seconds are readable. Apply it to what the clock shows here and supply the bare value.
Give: 9.32.41
